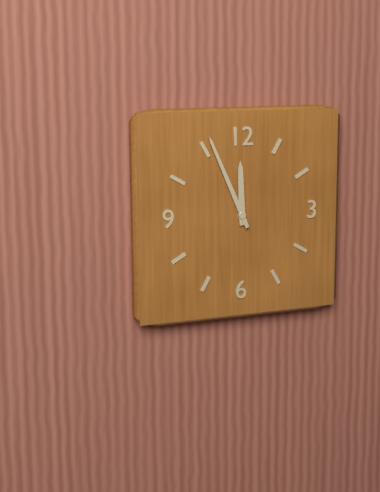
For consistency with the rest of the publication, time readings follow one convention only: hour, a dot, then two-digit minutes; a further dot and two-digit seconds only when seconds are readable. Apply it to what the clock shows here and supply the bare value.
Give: 11.56
